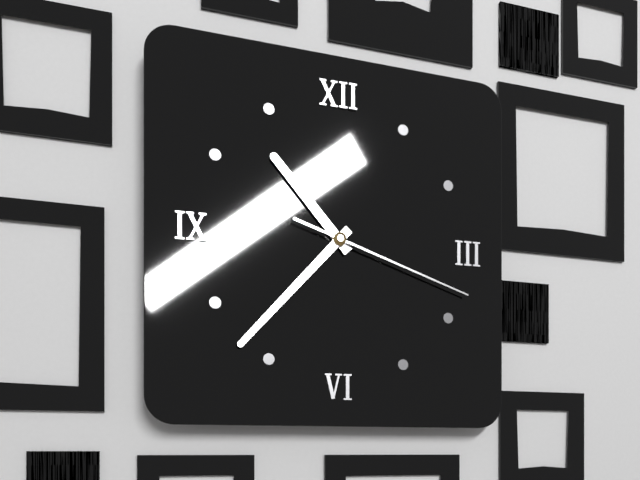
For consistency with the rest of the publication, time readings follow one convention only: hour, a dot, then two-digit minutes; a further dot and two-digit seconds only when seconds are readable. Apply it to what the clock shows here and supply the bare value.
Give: 10.37.18
